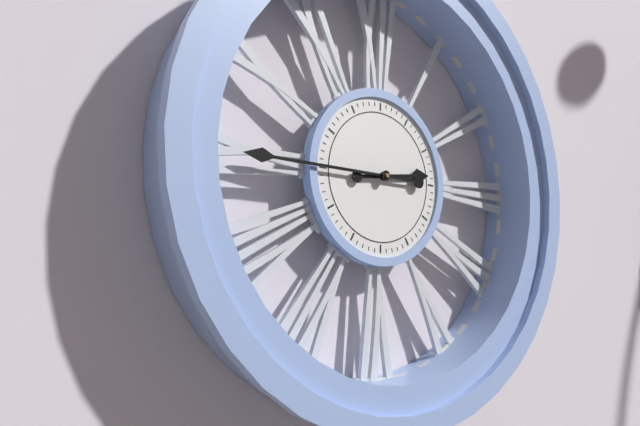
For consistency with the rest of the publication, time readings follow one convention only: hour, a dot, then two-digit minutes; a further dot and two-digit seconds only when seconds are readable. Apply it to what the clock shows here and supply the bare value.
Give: 2.45
